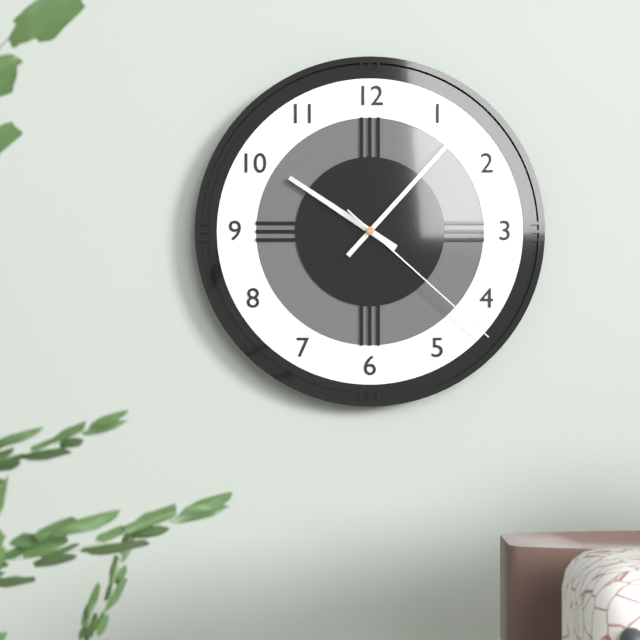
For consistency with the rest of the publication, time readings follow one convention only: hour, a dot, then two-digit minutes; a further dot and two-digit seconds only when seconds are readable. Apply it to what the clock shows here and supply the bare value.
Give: 10.07.22
